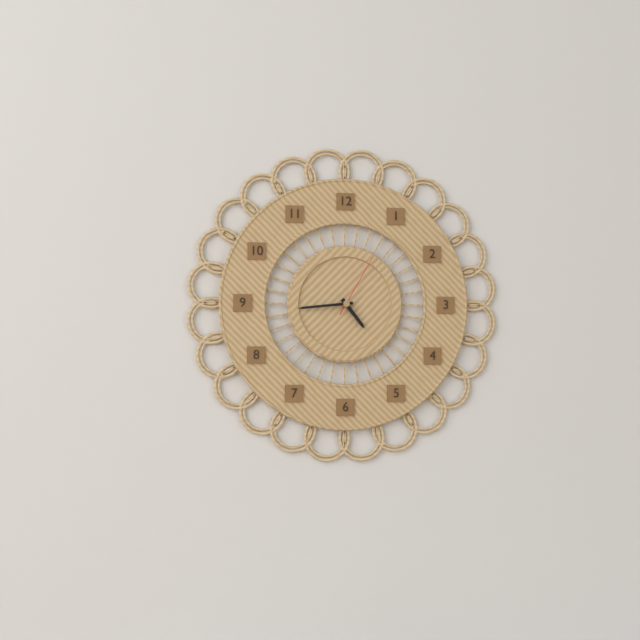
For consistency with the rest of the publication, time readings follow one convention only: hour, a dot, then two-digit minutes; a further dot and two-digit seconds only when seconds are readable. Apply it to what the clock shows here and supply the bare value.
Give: 4.44.05
